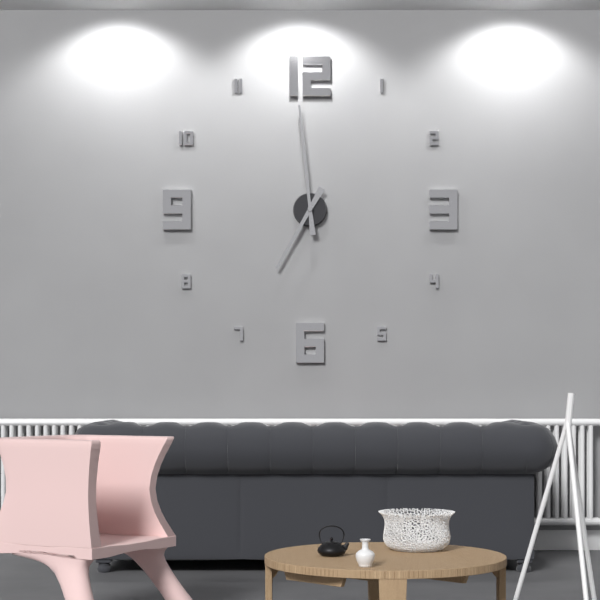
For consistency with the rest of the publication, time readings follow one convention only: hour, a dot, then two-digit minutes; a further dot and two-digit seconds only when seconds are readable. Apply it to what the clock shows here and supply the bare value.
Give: 6.59
